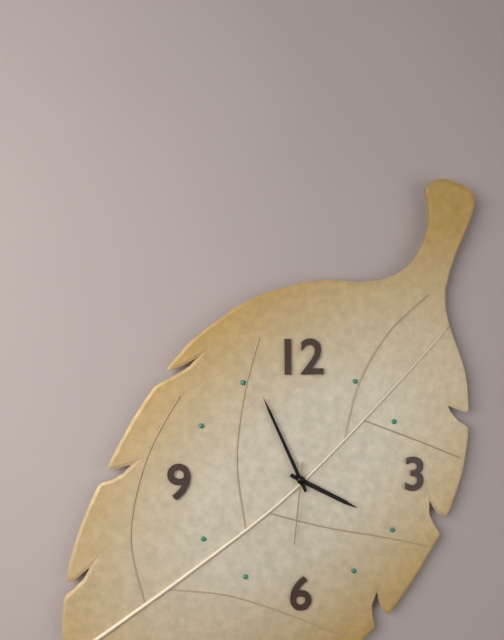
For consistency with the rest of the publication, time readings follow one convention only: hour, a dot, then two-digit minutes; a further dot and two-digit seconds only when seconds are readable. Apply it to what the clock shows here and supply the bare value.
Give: 3.56.31
